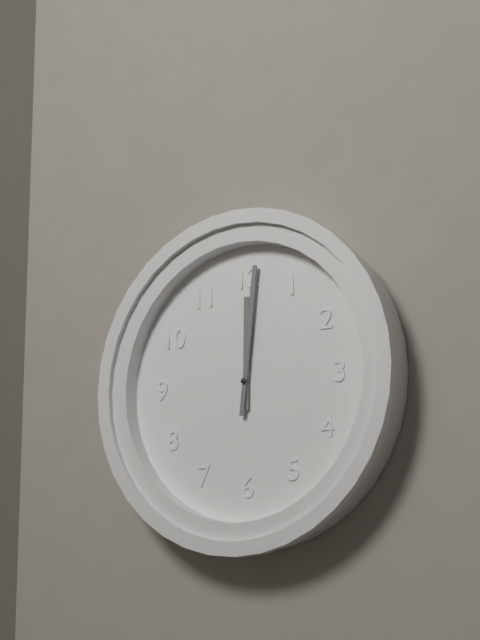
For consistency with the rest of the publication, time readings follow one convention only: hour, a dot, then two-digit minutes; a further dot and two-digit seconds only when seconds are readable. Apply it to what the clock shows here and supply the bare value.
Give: 12.01
